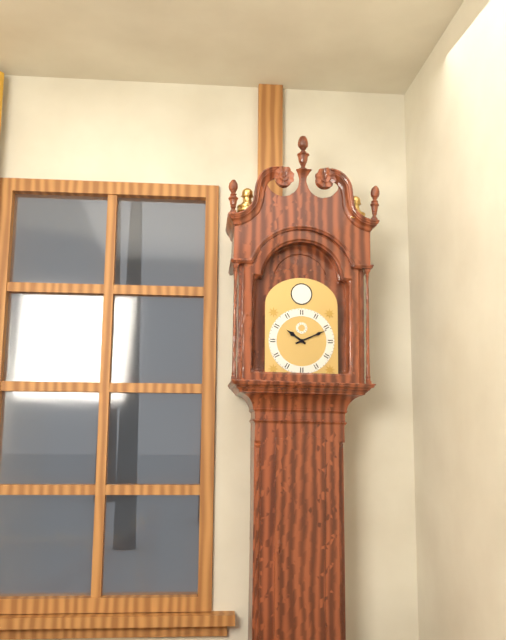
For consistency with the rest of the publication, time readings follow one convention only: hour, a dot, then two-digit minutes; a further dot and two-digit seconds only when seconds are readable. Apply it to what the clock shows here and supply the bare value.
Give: 10.11
